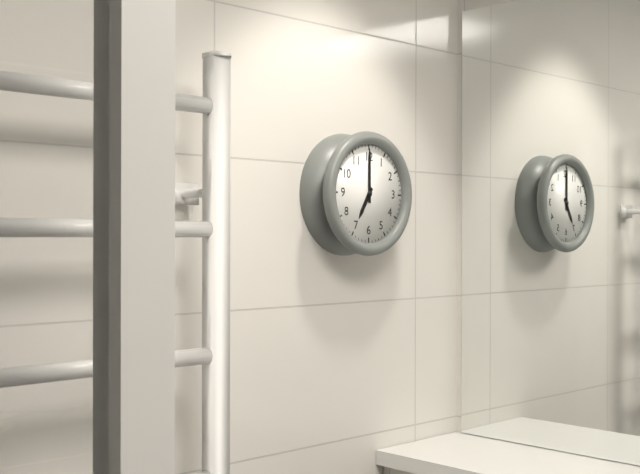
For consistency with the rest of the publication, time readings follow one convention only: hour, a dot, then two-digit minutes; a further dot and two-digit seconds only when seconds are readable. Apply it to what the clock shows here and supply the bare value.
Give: 7.00
